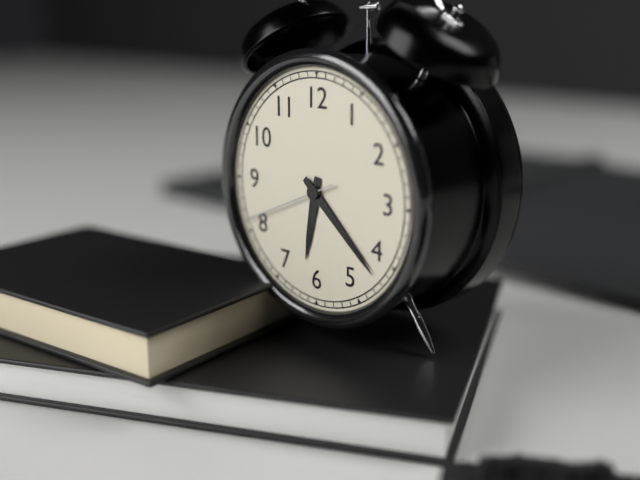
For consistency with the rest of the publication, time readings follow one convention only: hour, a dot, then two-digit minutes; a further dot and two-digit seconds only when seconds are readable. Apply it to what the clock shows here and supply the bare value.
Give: 6.22.41
